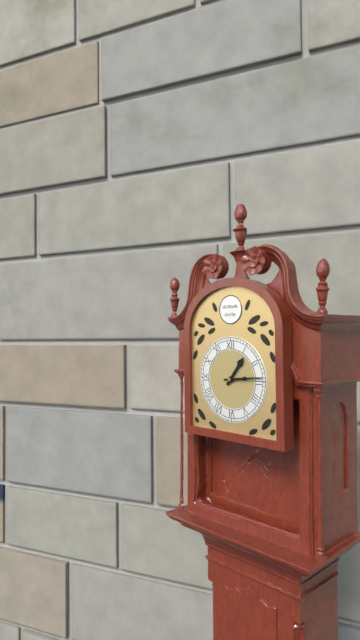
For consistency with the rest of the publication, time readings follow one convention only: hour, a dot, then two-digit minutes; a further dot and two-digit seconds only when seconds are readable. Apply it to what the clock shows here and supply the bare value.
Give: 1.14
